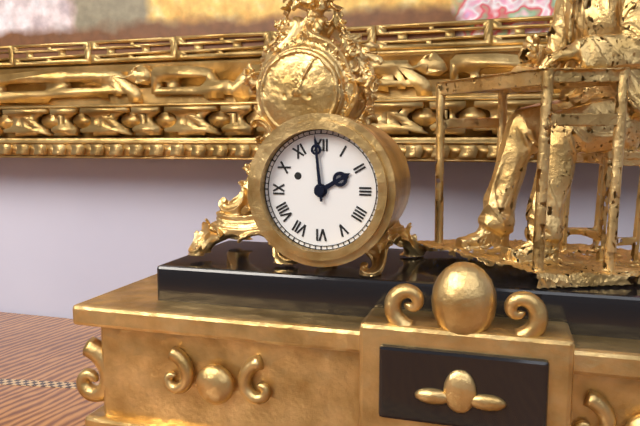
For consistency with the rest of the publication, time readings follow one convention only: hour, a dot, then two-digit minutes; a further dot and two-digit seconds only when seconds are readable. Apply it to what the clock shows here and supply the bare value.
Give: 1.59
